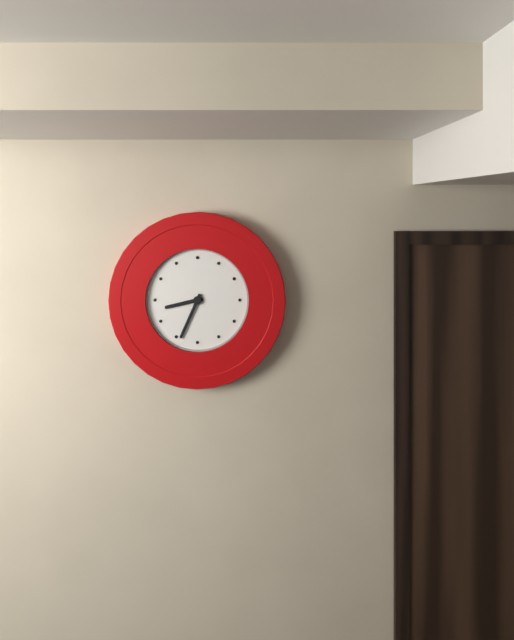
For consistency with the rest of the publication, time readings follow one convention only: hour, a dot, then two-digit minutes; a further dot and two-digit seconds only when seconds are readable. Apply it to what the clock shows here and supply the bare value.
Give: 8.34
